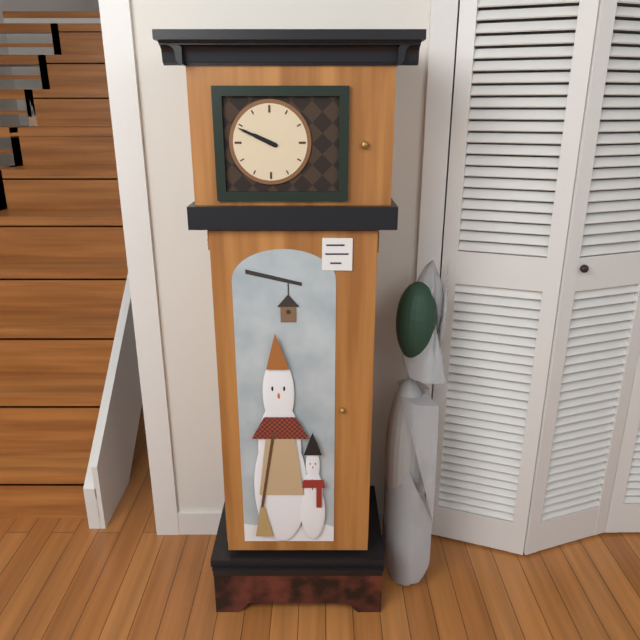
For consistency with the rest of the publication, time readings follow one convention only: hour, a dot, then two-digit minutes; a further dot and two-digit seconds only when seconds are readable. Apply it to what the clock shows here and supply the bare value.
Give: 9.49
